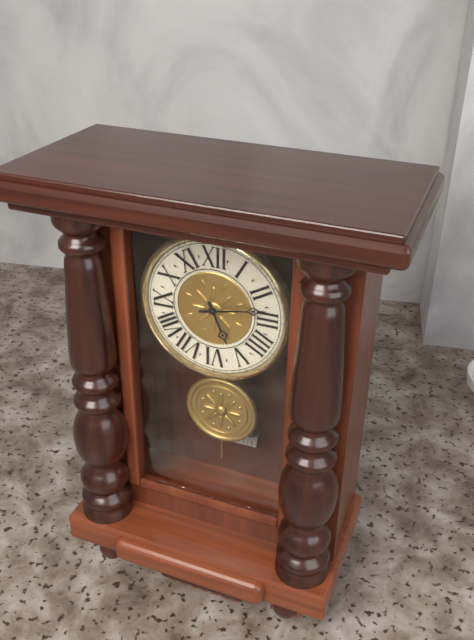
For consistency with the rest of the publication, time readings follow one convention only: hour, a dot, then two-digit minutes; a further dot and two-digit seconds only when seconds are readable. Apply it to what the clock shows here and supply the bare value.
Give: 5.13
